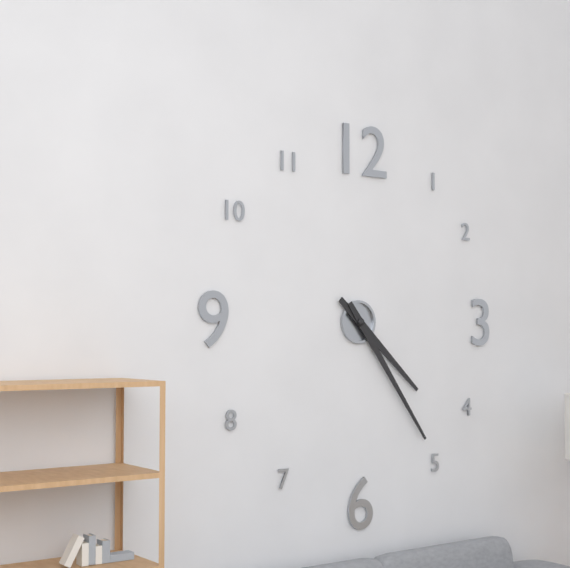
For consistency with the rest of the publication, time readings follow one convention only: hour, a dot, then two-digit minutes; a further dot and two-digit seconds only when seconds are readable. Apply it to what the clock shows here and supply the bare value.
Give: 4.24
